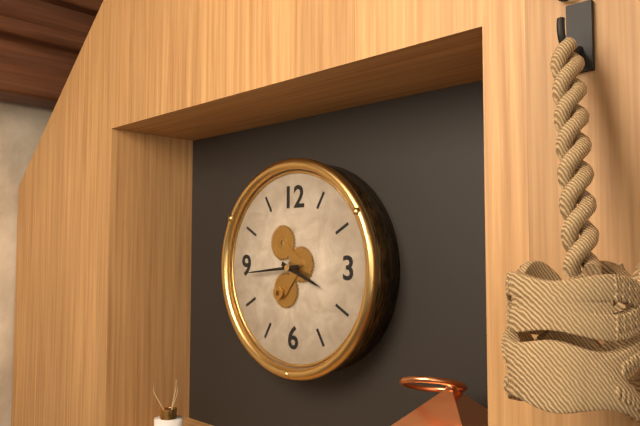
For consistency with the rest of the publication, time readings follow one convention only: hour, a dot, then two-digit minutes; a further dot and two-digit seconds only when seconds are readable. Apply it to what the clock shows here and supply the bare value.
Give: 3.44
